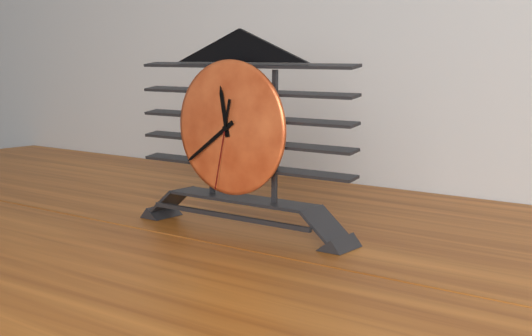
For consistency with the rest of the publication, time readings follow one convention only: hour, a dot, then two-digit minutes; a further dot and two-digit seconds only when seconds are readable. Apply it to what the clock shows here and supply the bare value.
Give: 11.39.32
